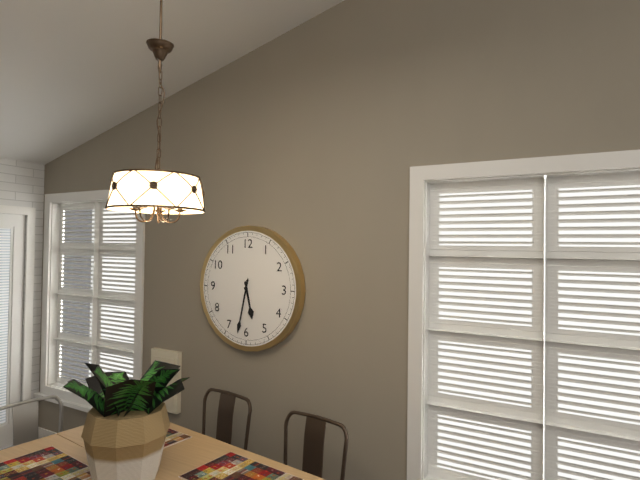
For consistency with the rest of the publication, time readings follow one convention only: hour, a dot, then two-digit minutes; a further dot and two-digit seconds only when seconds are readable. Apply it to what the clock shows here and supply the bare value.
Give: 5.32
